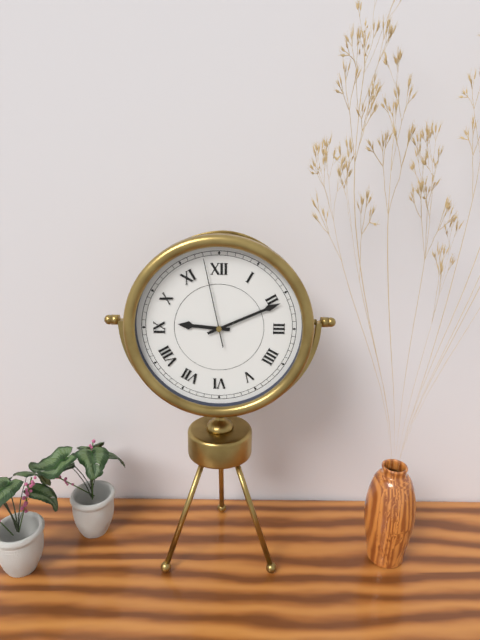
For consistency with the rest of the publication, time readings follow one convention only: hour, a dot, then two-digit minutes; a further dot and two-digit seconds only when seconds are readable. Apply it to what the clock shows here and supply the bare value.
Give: 9.11.58
